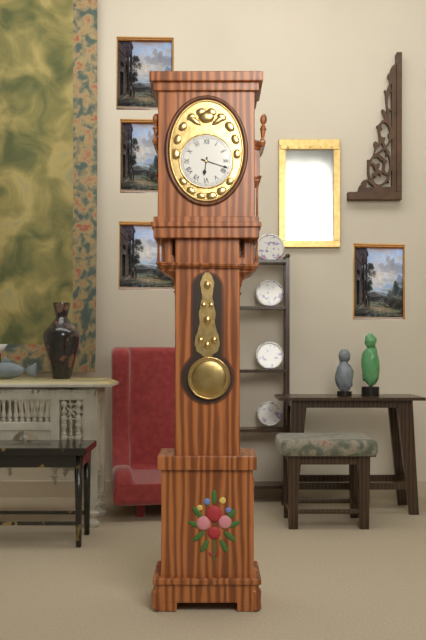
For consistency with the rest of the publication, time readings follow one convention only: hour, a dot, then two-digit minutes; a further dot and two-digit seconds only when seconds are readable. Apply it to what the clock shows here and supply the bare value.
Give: 6.18
